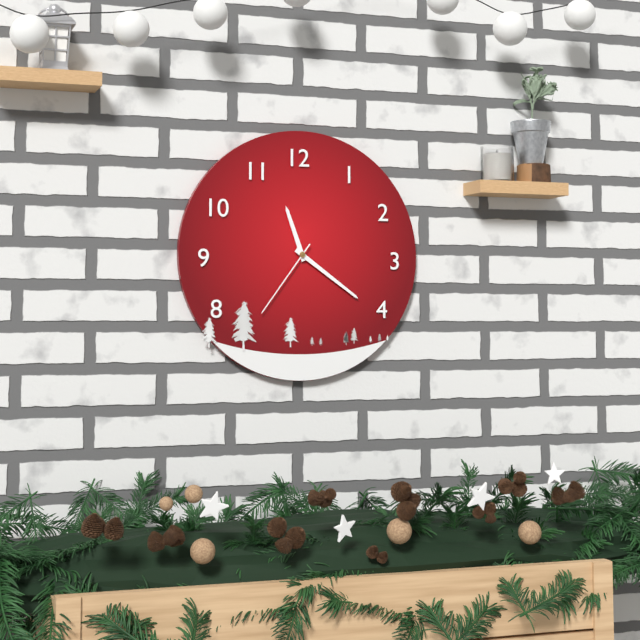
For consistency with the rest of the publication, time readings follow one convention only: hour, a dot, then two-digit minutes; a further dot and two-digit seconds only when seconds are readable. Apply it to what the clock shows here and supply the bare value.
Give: 11.21.36
